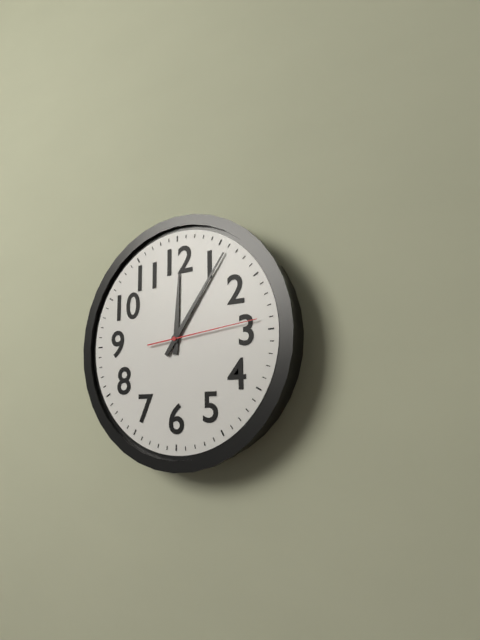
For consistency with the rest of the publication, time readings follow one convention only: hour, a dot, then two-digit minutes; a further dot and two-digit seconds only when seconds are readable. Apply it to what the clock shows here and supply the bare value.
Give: 12.06.14
